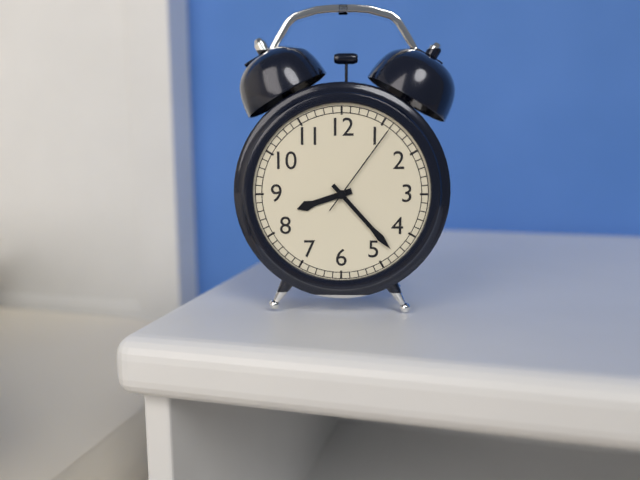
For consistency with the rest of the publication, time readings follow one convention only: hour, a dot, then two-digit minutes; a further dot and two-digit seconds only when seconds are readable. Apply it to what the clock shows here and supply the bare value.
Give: 8.23.06
